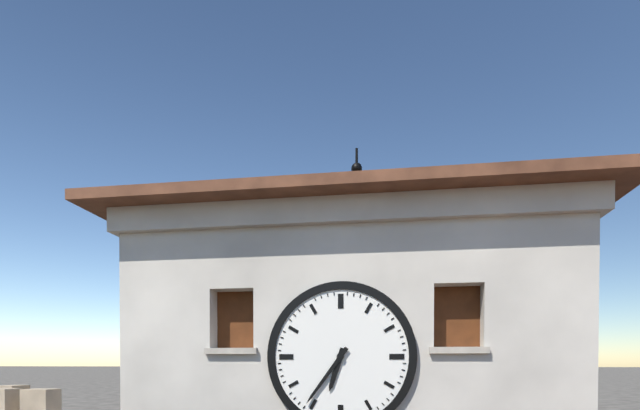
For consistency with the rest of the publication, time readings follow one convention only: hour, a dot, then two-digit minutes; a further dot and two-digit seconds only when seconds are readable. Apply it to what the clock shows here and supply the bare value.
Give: 6.36
